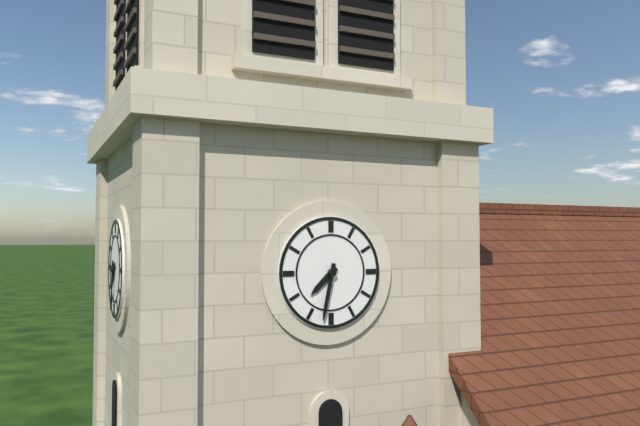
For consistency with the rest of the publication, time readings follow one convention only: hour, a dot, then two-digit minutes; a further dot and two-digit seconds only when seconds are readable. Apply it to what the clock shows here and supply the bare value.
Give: 7.32
